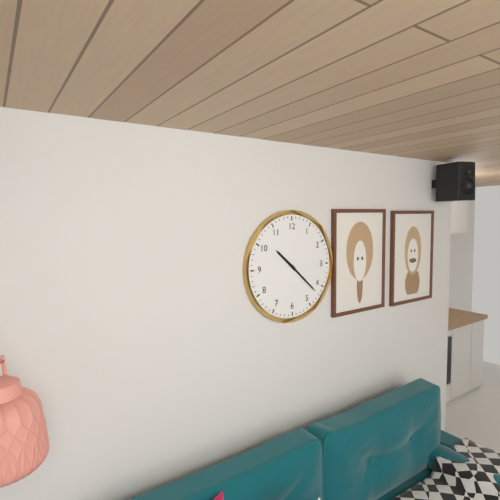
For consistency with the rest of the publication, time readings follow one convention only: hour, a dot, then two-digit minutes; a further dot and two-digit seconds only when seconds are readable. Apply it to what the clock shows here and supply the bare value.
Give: 10.22
